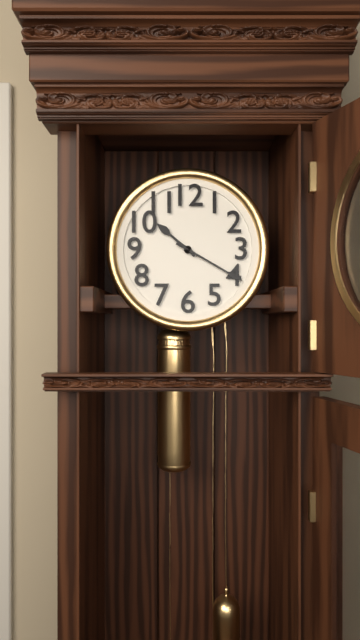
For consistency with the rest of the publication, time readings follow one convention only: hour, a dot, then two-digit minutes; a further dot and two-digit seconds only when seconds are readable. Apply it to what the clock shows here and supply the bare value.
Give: 10.20
